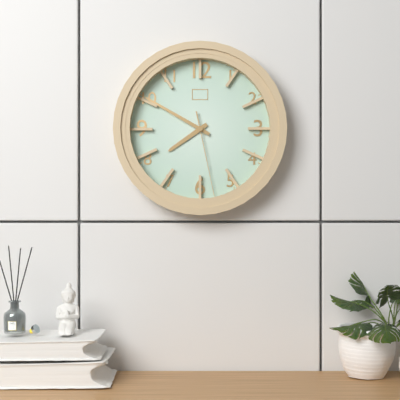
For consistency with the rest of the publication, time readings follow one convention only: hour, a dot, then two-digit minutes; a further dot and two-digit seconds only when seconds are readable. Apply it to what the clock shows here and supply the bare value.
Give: 7.50.28
